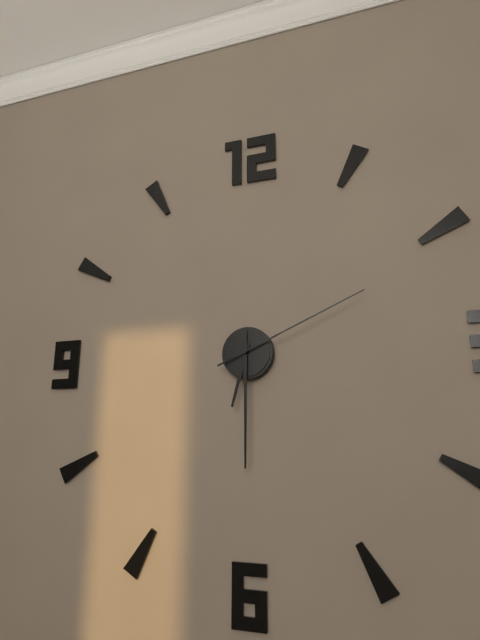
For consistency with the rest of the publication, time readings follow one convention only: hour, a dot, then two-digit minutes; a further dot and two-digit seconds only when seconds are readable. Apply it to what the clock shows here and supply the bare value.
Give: 6.30.11
